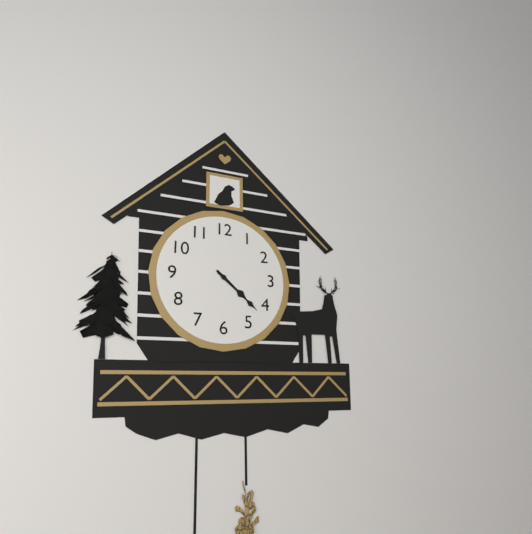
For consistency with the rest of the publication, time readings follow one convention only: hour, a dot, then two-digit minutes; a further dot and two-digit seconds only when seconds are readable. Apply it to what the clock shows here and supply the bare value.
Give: 4.22
